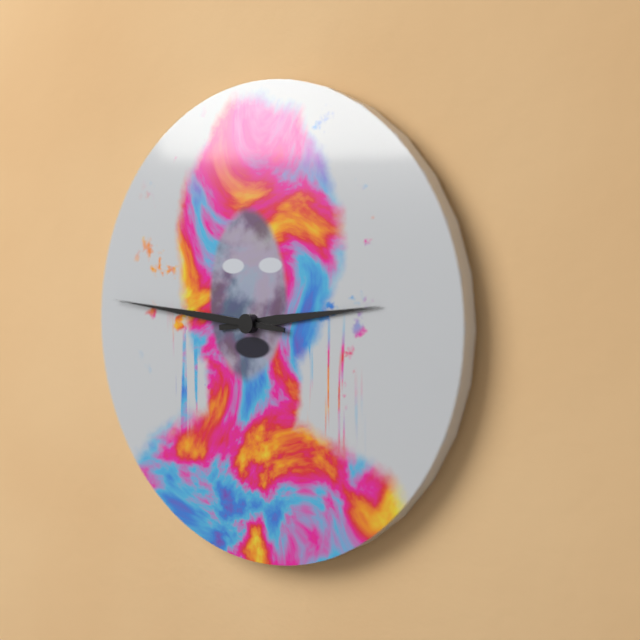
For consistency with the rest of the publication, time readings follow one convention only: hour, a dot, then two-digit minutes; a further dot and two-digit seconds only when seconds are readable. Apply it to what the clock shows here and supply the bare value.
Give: 2.46
